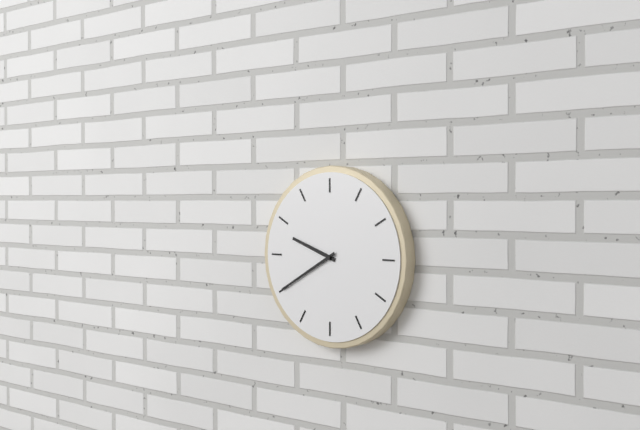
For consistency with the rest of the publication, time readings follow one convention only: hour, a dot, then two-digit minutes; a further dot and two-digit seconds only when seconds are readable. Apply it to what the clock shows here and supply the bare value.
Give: 9.40
